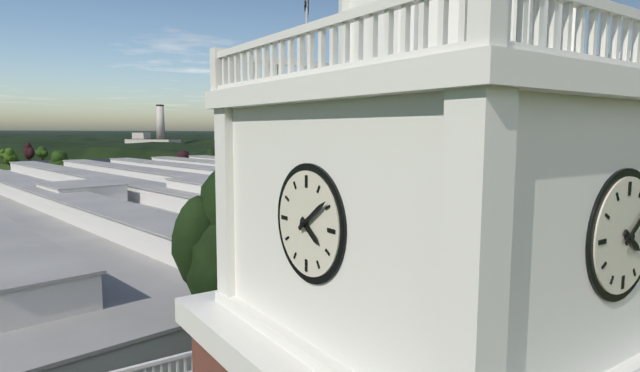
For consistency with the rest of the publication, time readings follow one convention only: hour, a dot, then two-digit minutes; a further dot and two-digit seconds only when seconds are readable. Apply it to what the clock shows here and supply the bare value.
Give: 4.09
